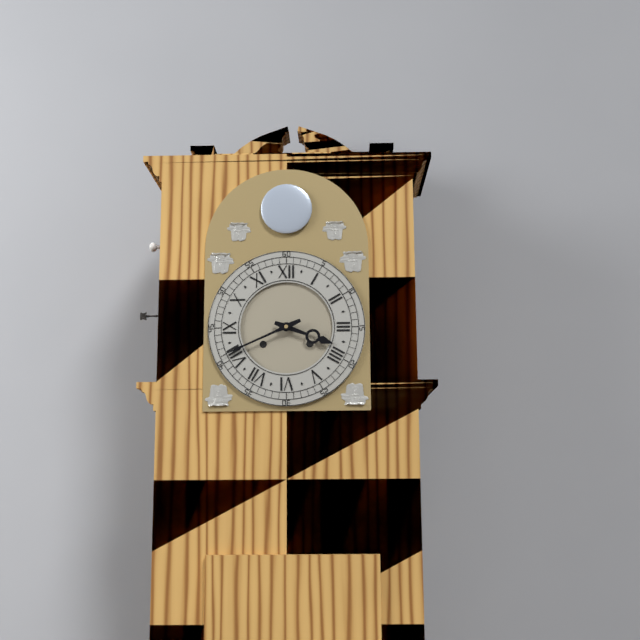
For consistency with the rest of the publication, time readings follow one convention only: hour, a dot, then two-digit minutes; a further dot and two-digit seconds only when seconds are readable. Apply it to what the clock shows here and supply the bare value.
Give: 3.41
